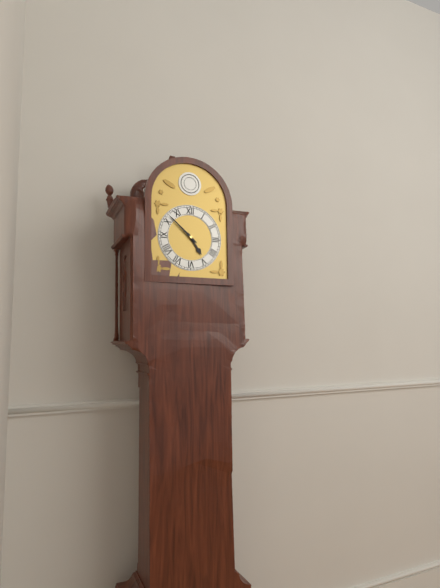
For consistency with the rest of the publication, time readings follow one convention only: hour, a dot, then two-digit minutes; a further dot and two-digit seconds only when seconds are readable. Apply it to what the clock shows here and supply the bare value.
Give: 4.52
